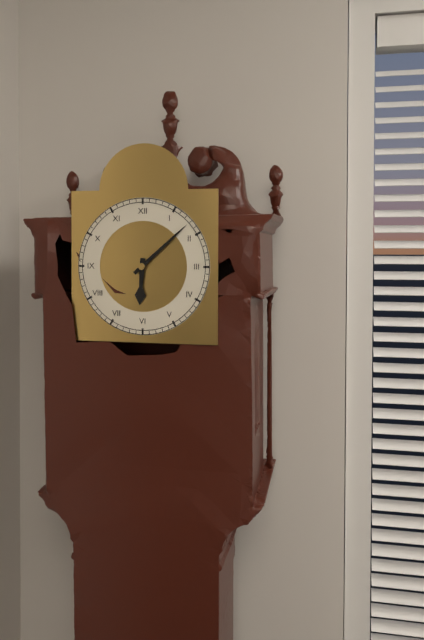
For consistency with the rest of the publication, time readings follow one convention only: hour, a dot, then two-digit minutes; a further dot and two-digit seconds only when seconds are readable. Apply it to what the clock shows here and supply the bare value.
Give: 6.08
